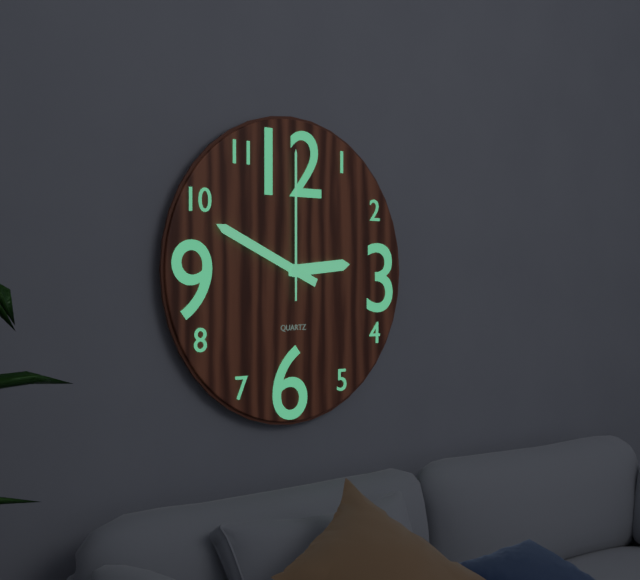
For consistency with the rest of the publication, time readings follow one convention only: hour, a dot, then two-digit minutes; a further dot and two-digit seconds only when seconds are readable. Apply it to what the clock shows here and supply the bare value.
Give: 2.49.00
